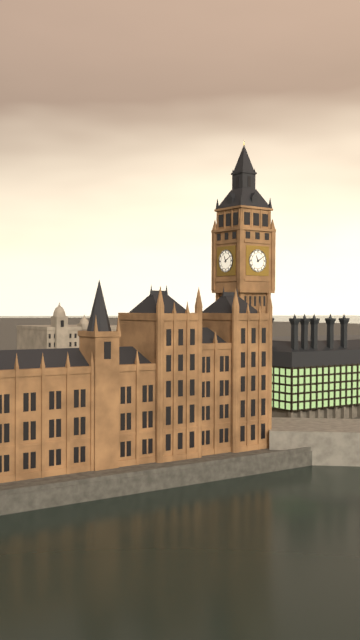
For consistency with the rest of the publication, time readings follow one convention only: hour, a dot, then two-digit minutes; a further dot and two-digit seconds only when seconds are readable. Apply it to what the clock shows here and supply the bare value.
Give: 11.10
